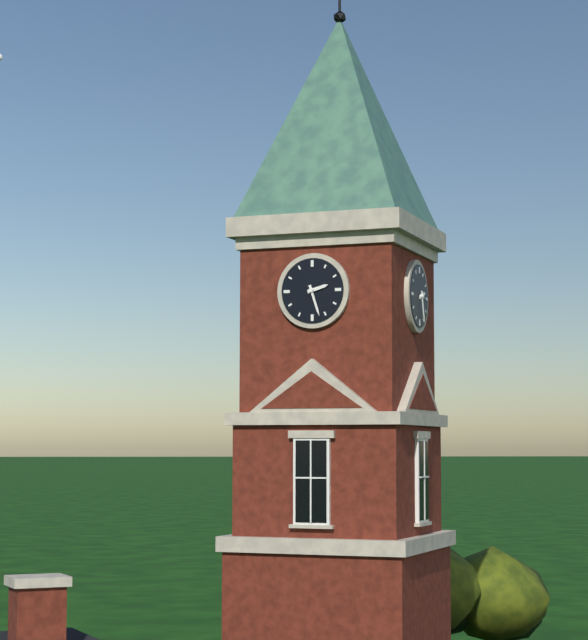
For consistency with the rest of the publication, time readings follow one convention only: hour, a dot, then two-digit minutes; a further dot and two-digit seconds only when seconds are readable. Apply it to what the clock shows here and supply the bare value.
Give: 2.27
